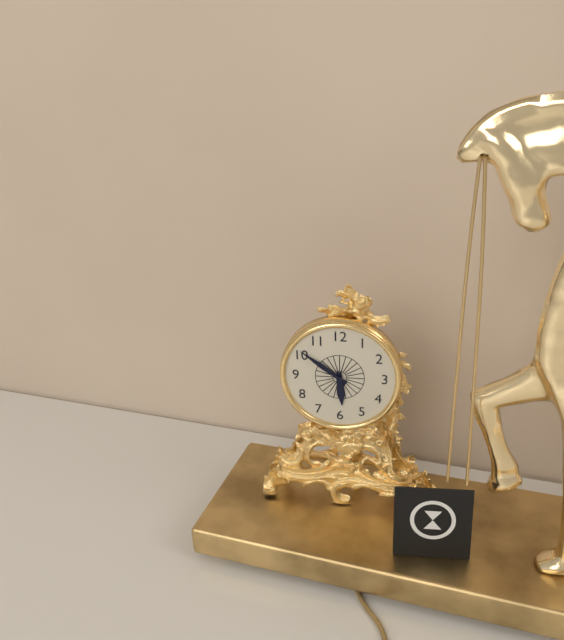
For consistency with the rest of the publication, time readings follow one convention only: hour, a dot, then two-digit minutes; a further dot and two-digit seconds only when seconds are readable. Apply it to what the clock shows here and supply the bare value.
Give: 5.51
